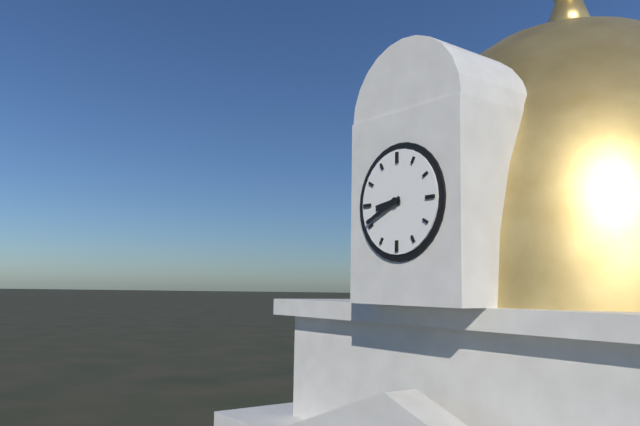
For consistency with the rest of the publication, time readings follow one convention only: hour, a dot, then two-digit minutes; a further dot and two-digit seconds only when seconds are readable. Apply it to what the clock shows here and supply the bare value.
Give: 8.41
